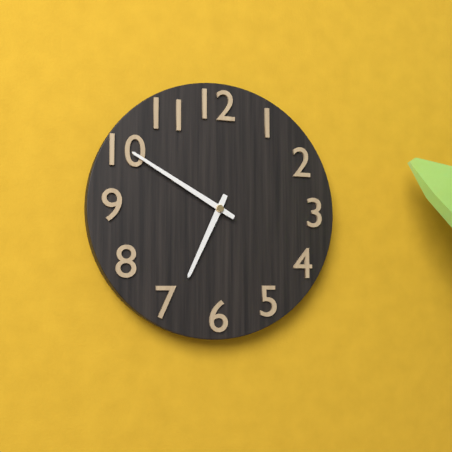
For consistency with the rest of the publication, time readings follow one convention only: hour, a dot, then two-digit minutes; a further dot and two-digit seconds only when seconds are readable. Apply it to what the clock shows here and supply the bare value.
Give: 6.50
